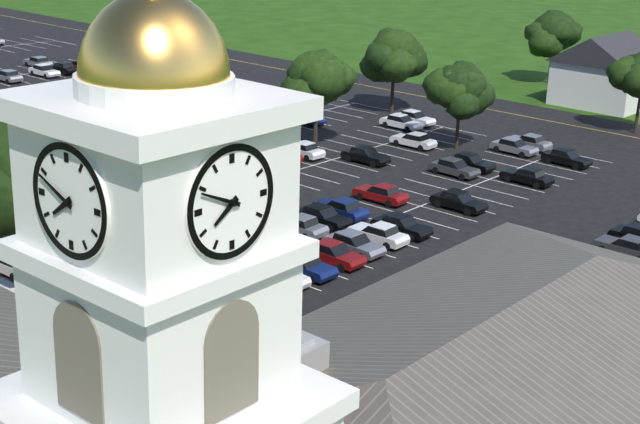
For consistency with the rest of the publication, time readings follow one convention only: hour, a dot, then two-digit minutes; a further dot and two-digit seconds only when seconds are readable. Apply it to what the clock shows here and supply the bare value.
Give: 7.49
